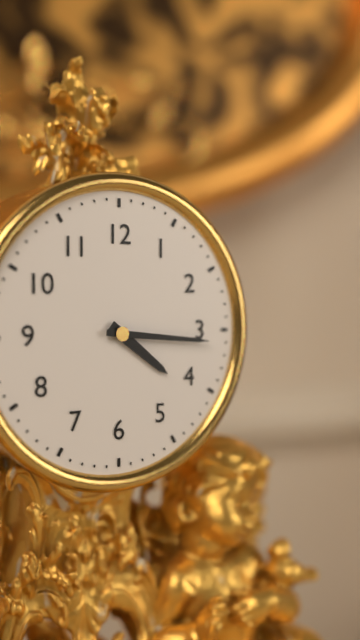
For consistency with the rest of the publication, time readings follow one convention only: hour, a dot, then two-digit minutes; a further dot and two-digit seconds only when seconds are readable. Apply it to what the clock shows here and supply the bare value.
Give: 4.16
